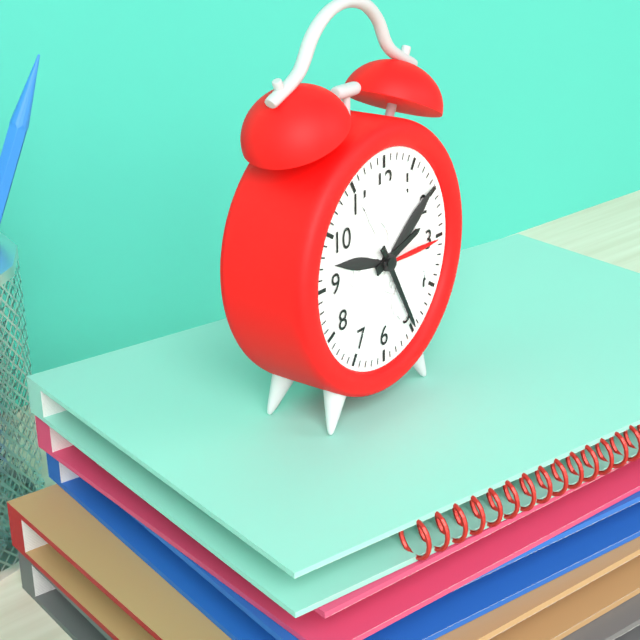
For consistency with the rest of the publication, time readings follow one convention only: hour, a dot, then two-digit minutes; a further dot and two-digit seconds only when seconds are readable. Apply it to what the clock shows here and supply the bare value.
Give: 2.25
